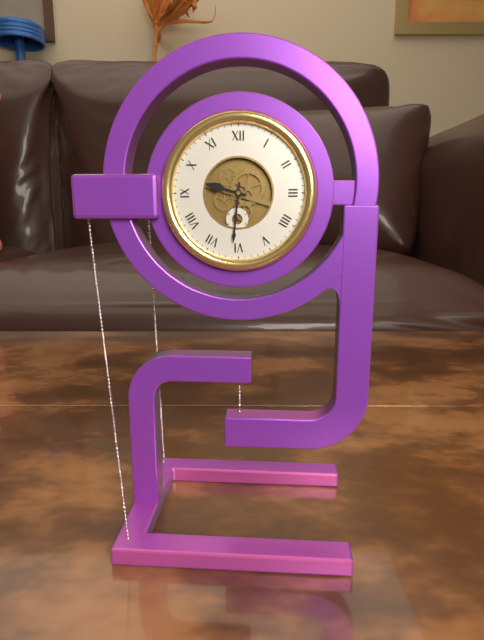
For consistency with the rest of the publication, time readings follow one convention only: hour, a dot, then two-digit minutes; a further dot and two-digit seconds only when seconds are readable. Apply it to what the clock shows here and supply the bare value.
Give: 9.31
